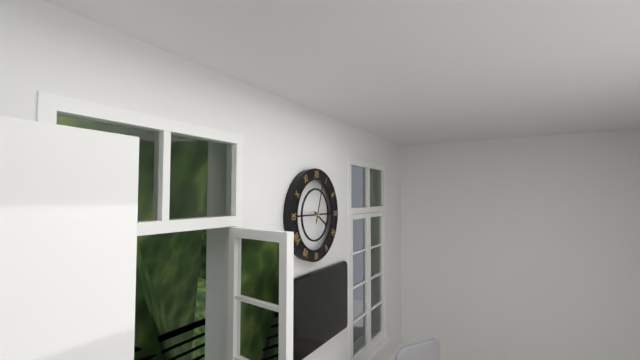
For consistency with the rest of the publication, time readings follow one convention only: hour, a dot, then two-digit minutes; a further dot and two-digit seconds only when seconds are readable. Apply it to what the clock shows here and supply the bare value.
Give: 4.03
